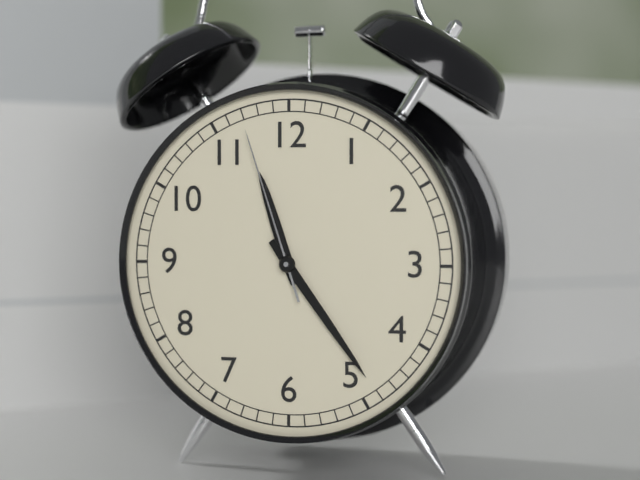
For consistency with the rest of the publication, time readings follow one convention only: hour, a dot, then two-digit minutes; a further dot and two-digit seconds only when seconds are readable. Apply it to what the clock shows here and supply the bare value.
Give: 11.24.57
